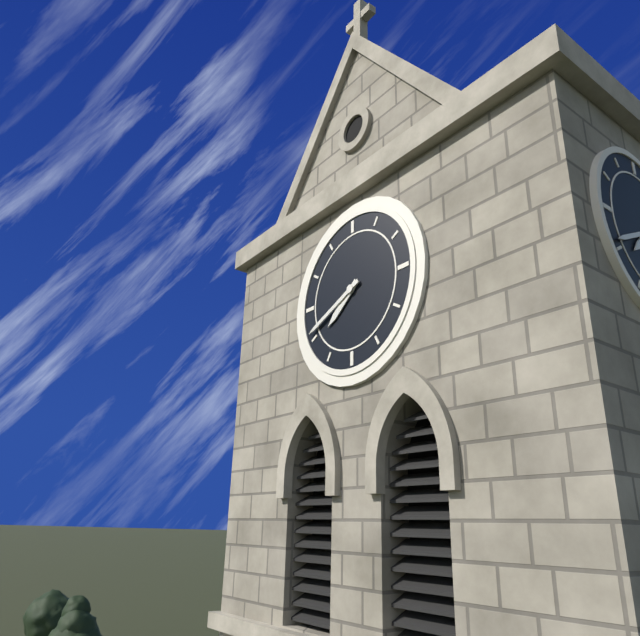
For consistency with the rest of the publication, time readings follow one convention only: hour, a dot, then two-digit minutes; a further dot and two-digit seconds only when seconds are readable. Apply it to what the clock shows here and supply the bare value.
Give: 7.41
